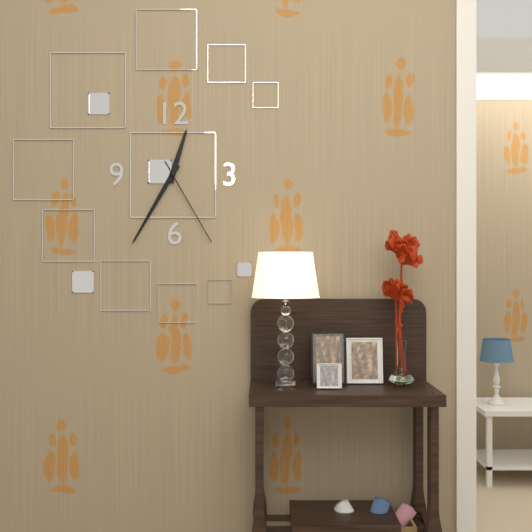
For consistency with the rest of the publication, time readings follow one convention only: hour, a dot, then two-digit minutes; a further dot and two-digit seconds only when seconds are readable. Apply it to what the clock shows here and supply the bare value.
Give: 12.35.25
